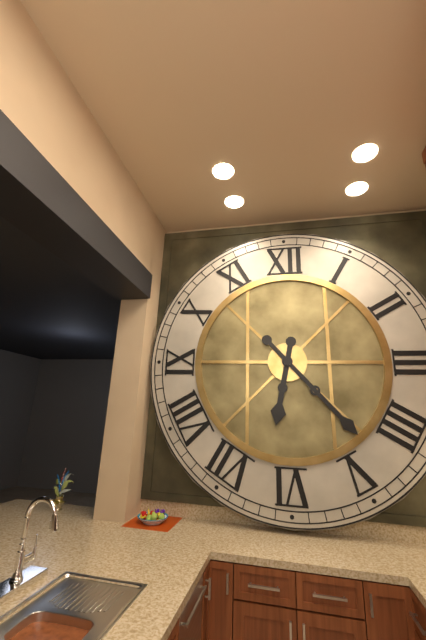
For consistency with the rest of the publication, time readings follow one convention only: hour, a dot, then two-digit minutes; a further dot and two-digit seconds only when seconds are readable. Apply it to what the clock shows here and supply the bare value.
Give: 6.23
